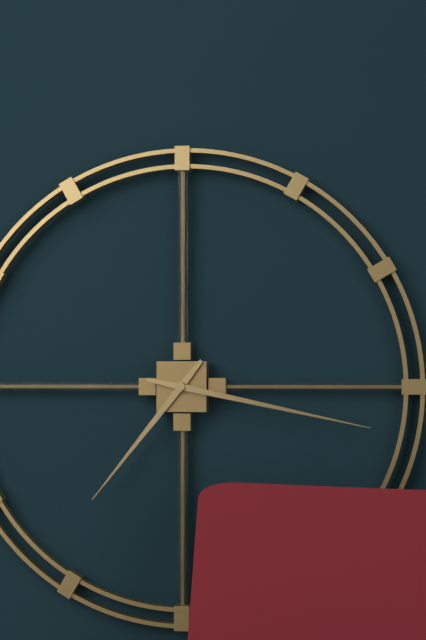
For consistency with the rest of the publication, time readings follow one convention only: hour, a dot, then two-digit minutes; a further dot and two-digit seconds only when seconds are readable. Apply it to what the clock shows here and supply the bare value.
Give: 7.17
